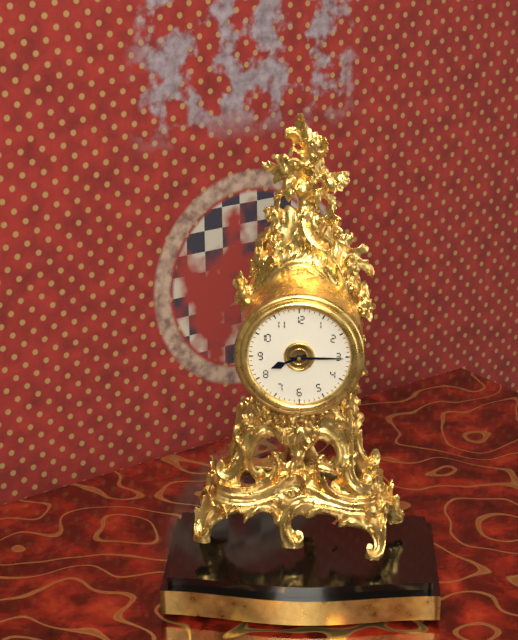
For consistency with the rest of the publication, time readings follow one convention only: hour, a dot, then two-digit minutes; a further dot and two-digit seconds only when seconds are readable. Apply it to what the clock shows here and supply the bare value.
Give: 8.15
